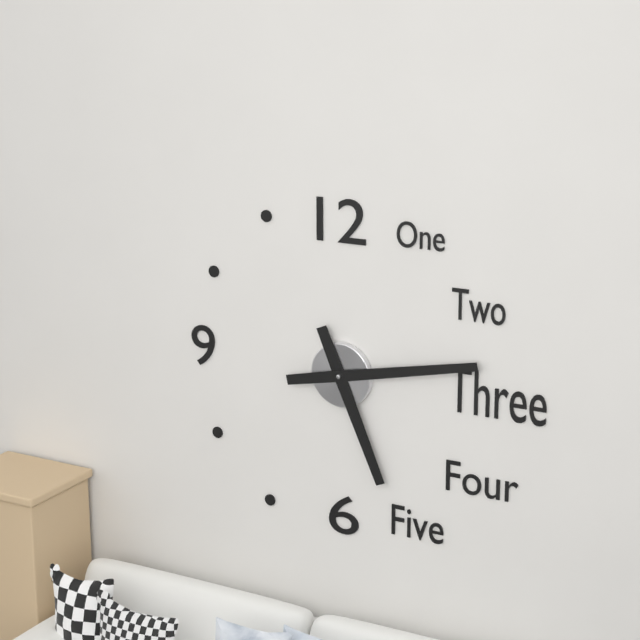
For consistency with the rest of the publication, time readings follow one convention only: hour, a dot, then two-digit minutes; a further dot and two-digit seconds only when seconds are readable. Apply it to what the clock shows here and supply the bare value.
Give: 5.13
